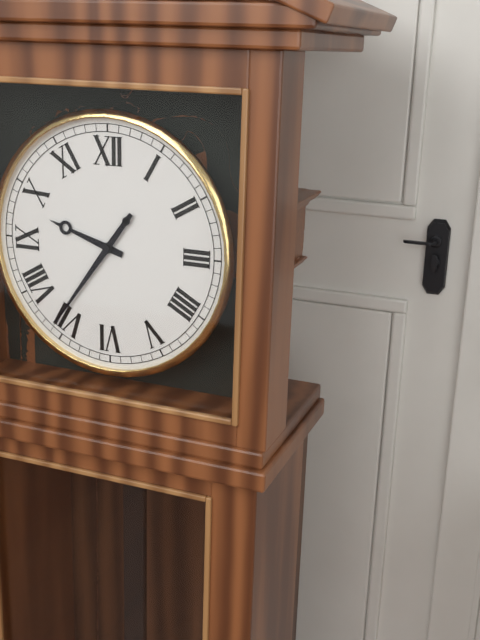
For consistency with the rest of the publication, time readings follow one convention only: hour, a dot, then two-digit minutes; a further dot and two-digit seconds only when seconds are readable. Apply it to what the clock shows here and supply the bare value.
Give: 9.36
